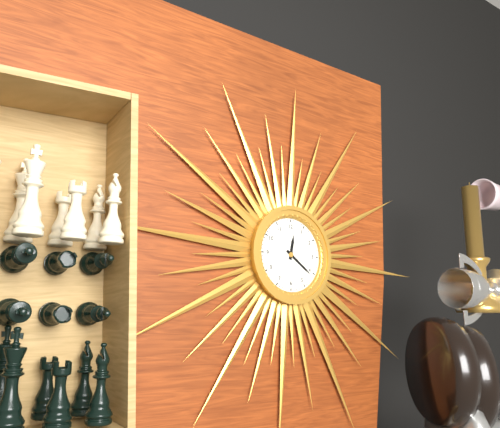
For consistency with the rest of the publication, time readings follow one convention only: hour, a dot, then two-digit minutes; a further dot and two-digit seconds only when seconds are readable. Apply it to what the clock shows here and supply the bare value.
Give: 12.21
